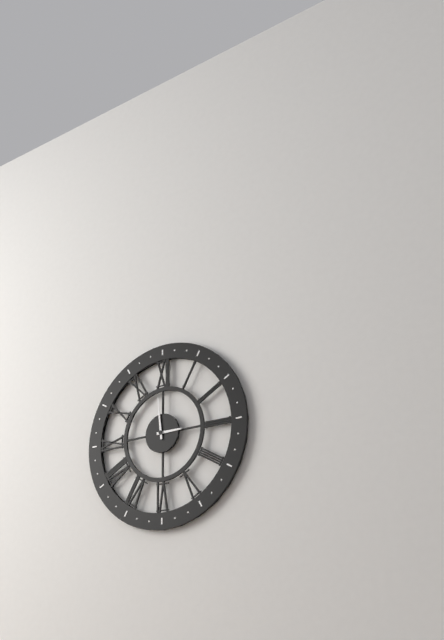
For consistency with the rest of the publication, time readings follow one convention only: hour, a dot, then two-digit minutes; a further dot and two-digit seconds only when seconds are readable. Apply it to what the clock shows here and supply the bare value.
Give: 2.59
